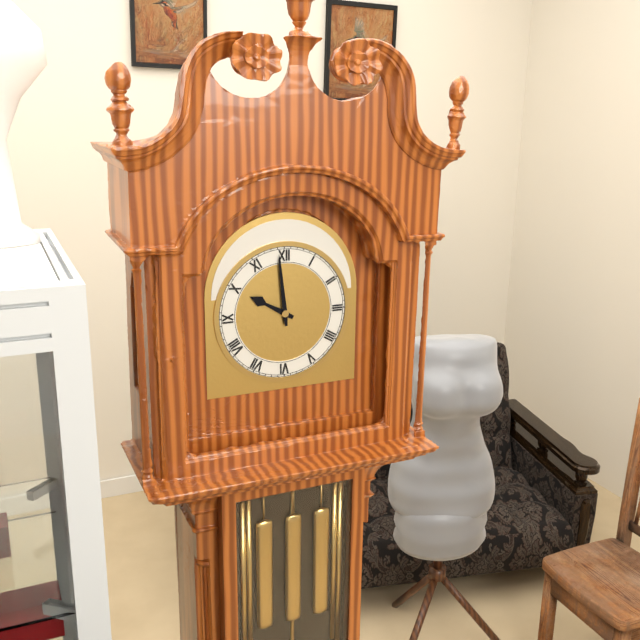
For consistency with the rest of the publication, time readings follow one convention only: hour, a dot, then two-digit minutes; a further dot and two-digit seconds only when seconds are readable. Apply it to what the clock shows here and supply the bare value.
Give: 9.59
